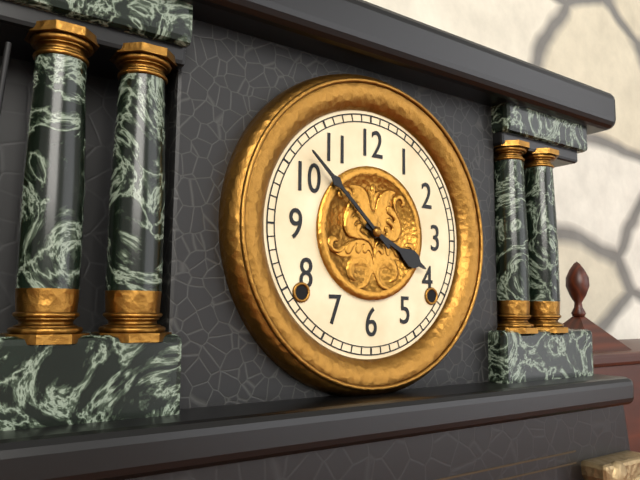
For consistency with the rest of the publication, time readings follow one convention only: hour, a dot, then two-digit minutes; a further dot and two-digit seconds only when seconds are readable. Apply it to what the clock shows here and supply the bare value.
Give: 3.52
